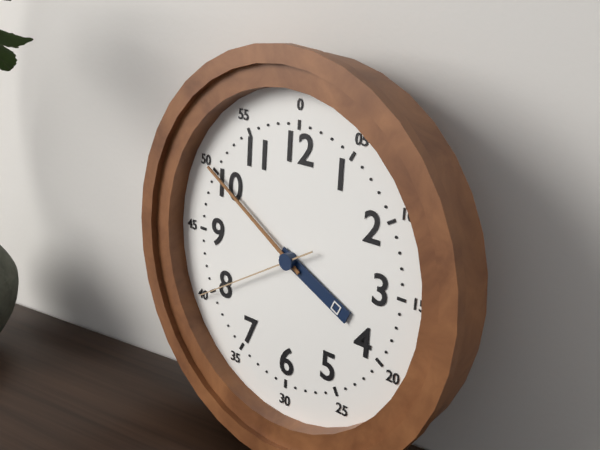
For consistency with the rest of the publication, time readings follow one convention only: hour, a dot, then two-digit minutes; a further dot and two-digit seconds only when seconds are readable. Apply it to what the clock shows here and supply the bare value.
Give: 3.50.40
